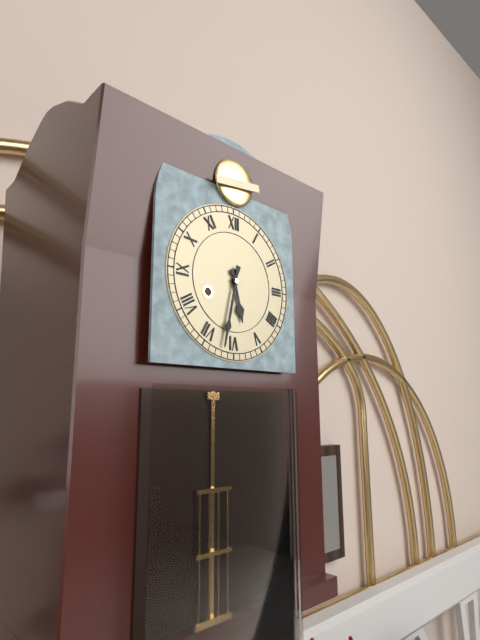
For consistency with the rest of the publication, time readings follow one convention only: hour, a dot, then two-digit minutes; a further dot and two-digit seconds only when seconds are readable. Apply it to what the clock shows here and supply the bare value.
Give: 5.32
